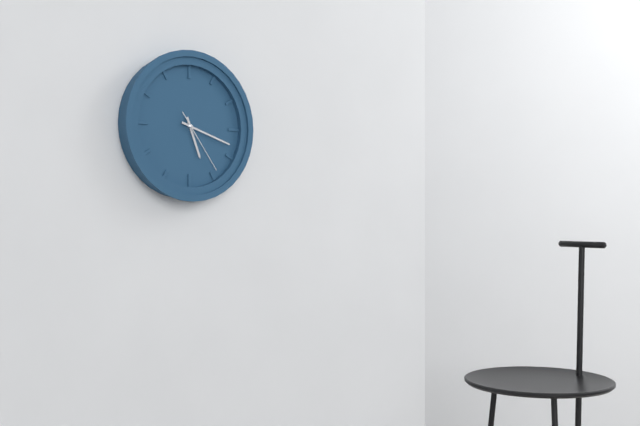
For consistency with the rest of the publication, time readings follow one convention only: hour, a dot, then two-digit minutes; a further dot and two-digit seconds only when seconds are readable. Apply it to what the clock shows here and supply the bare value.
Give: 5.18.24
